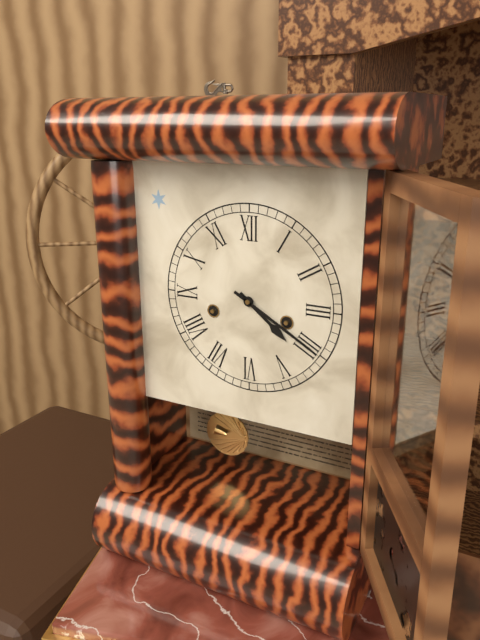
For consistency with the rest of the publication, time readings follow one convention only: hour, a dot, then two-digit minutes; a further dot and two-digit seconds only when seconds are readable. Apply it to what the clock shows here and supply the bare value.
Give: 4.20
